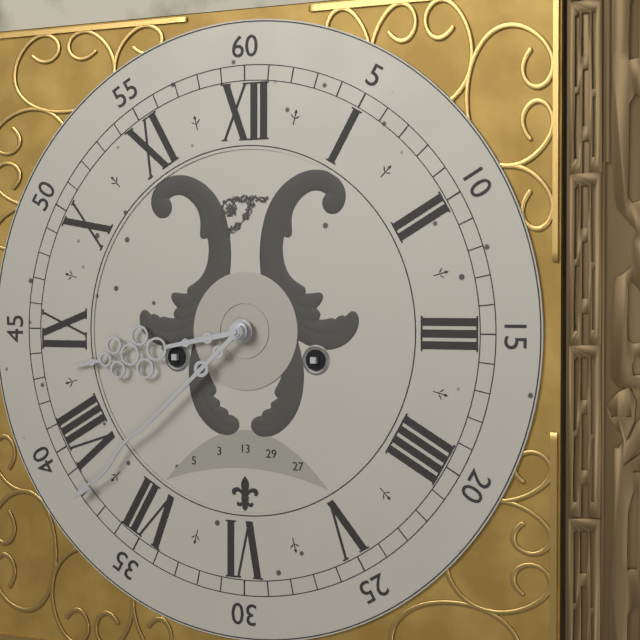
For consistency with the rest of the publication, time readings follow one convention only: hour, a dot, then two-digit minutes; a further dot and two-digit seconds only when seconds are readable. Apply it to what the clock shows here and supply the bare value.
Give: 8.38
